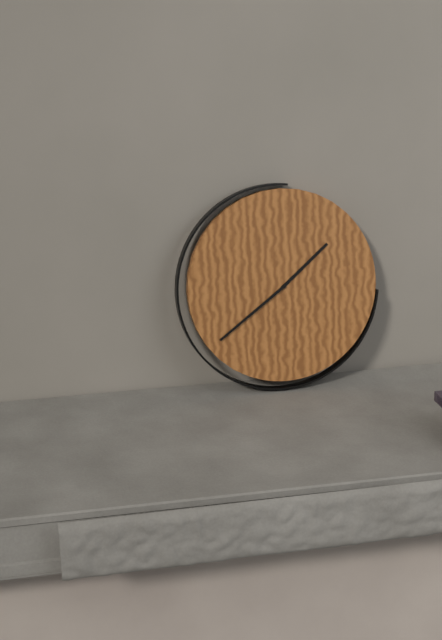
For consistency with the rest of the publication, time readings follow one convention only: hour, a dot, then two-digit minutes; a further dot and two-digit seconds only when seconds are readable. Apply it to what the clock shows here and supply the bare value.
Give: 1.39
